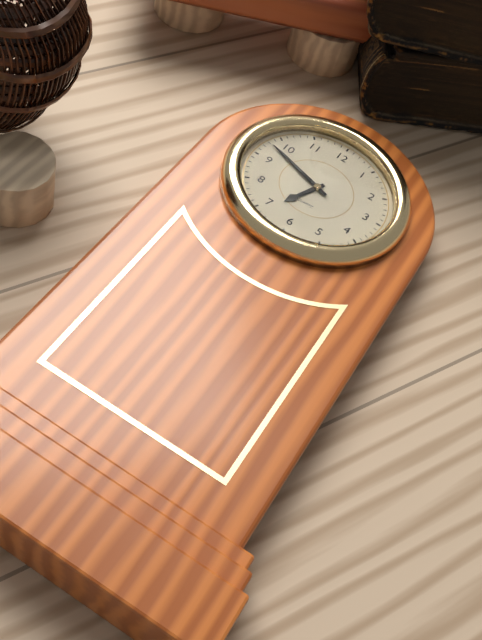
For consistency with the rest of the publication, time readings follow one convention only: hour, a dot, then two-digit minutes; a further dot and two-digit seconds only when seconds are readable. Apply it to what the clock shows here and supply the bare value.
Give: 6.48
